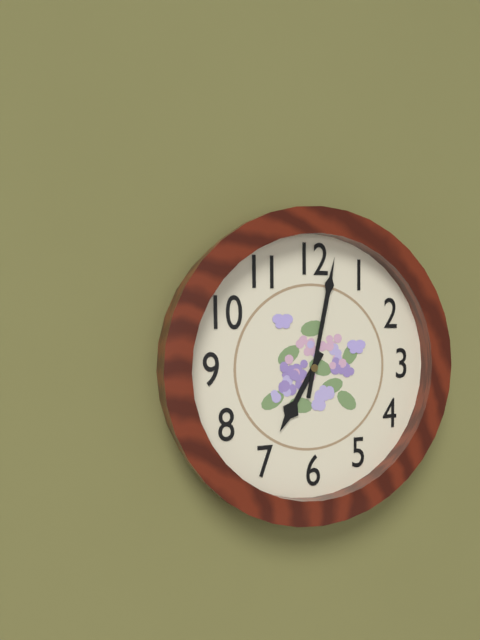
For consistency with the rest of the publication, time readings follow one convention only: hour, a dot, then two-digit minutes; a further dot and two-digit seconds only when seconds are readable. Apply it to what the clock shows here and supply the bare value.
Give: 7.02
